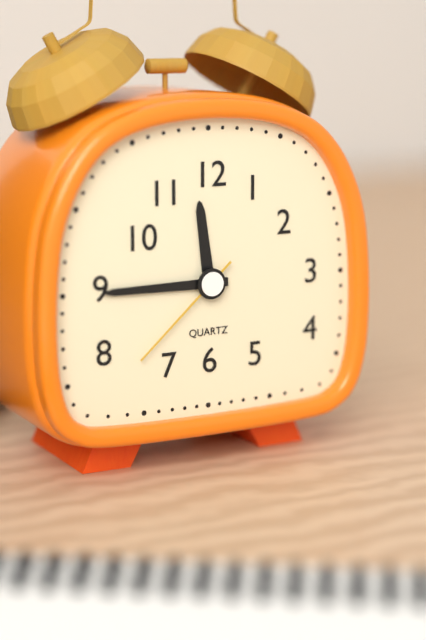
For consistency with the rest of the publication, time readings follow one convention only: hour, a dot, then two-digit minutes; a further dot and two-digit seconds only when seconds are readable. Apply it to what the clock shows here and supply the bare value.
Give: 11.45.38
